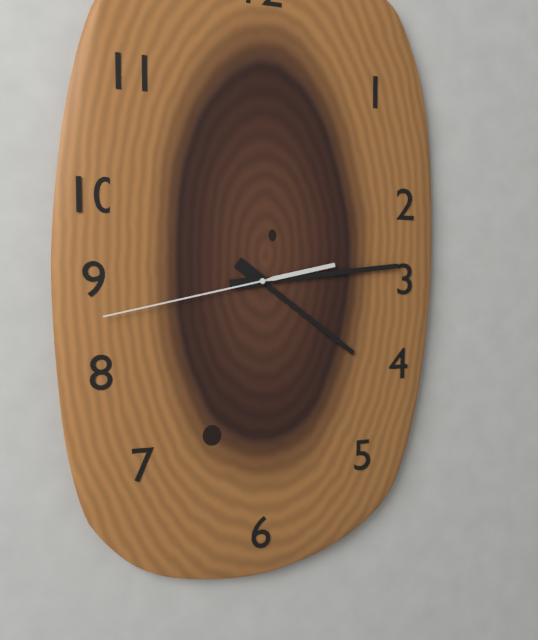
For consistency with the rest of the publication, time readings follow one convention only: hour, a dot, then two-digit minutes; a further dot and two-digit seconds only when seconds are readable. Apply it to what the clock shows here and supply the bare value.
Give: 4.14.43
